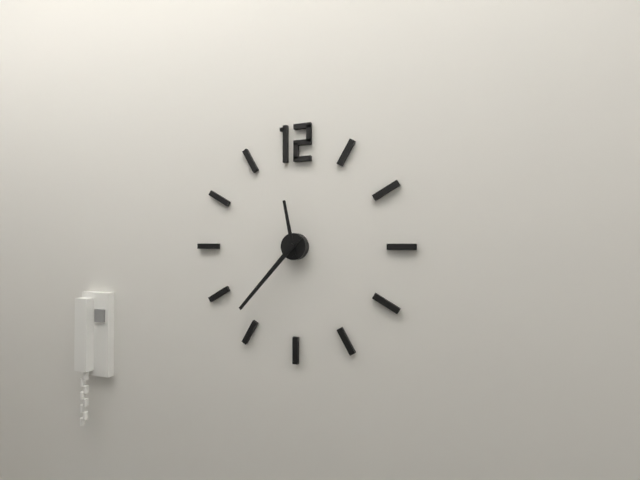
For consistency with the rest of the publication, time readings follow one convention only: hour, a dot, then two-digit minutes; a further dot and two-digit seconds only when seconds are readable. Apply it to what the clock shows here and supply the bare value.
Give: 11.37
